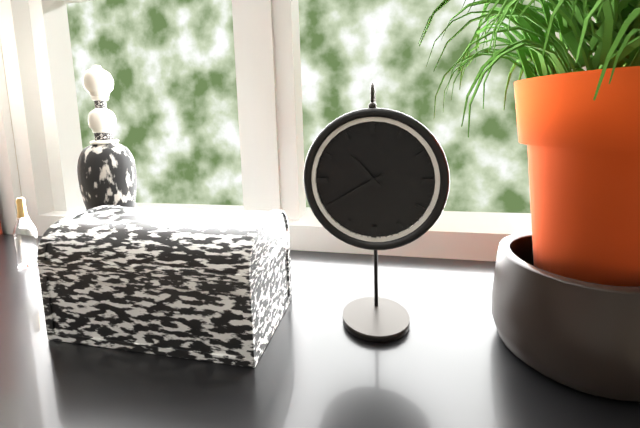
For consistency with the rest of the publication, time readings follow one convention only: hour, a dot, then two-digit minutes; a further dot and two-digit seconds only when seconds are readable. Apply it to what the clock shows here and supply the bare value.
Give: 10.40
